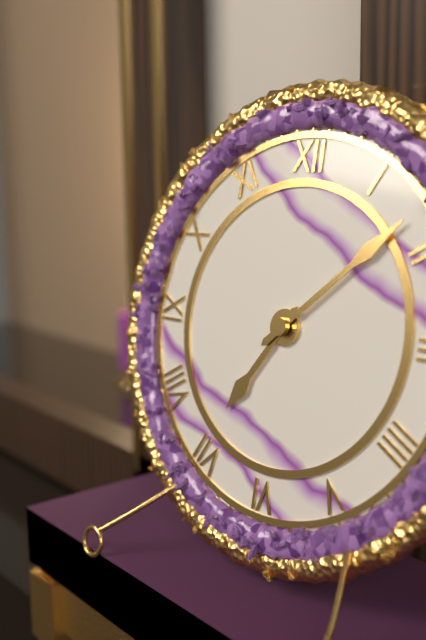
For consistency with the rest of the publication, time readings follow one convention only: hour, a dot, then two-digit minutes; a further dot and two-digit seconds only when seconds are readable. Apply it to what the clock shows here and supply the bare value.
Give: 7.08
